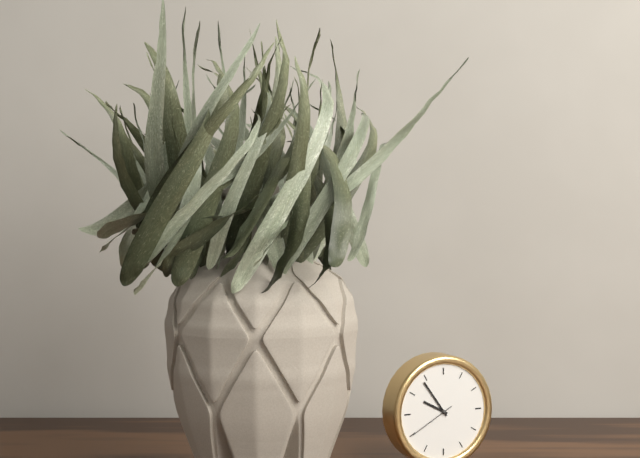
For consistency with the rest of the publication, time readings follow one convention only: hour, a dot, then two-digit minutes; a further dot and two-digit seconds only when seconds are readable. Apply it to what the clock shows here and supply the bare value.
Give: 9.54
